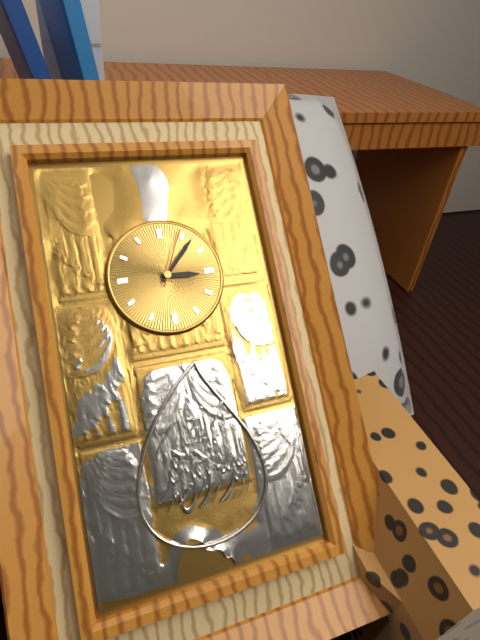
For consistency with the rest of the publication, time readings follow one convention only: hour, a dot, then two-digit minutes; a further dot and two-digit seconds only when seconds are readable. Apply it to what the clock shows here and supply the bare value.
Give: 3.07.04
